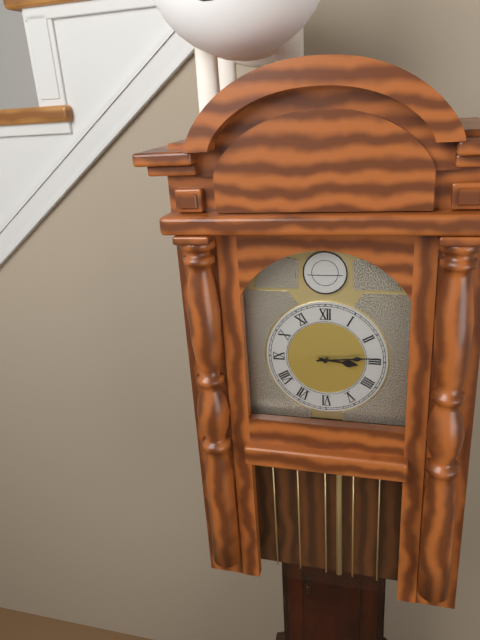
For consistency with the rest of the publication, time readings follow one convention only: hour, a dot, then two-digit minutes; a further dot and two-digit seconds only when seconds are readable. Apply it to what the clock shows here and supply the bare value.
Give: 3.14
